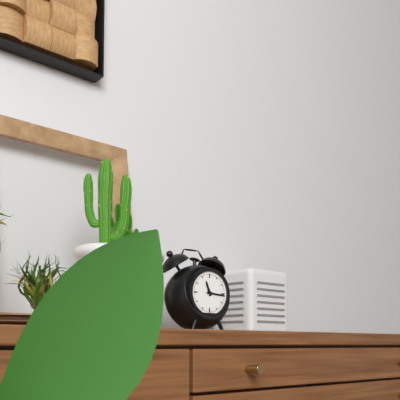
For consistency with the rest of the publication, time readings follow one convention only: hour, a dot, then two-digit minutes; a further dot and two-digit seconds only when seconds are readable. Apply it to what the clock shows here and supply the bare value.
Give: 11.16
